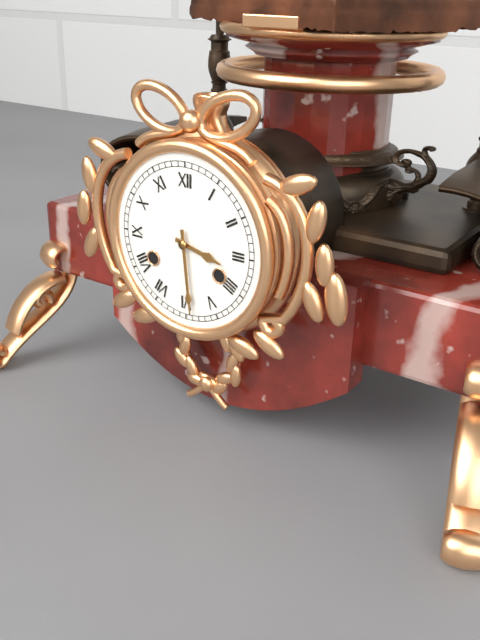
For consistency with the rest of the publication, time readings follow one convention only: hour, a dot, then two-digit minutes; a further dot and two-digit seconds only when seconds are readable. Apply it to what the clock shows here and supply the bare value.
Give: 3.29
